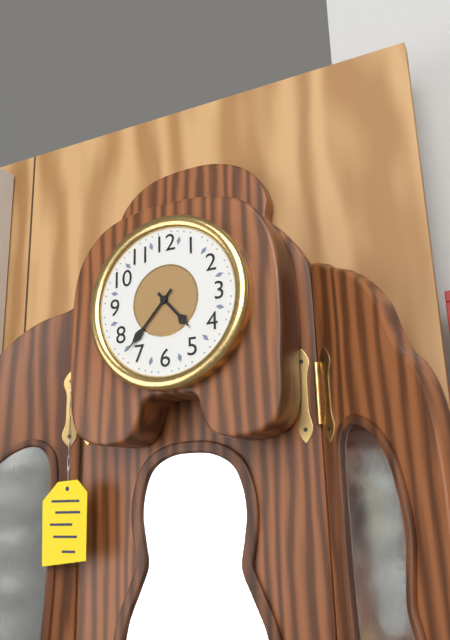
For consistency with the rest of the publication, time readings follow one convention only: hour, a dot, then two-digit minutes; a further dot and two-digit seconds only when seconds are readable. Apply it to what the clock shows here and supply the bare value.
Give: 4.37
